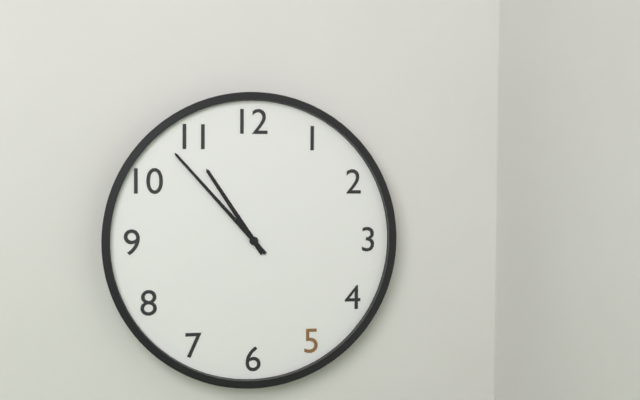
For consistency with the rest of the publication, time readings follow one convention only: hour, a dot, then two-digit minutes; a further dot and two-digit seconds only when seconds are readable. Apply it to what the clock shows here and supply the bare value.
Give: 10.53
